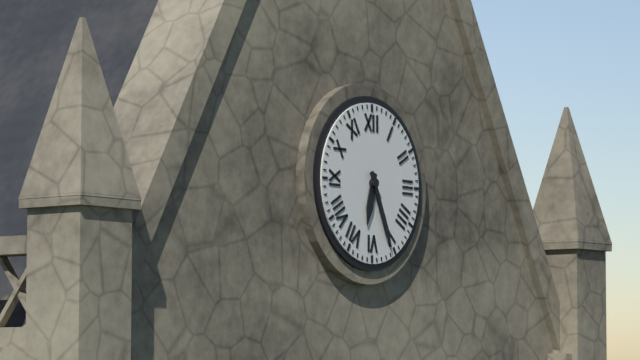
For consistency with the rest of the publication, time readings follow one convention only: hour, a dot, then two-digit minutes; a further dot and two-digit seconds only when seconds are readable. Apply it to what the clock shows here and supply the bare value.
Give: 6.26
